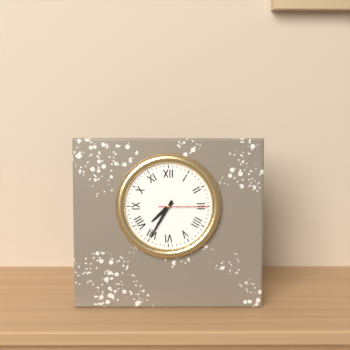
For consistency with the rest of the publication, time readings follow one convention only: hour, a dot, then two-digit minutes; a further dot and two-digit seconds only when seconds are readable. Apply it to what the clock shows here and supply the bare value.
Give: 7.35
